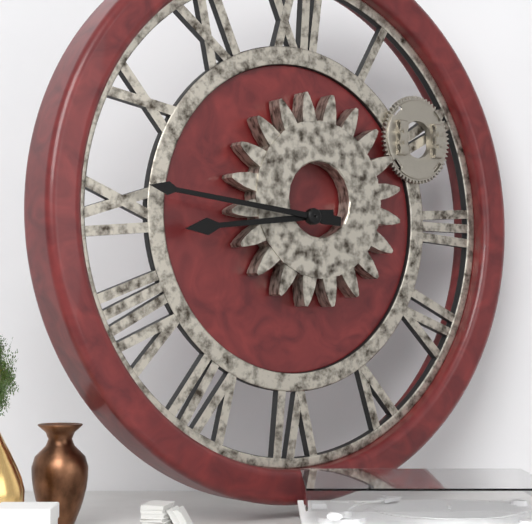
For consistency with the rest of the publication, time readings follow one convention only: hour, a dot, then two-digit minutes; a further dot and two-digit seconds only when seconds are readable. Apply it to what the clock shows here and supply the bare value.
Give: 8.46
